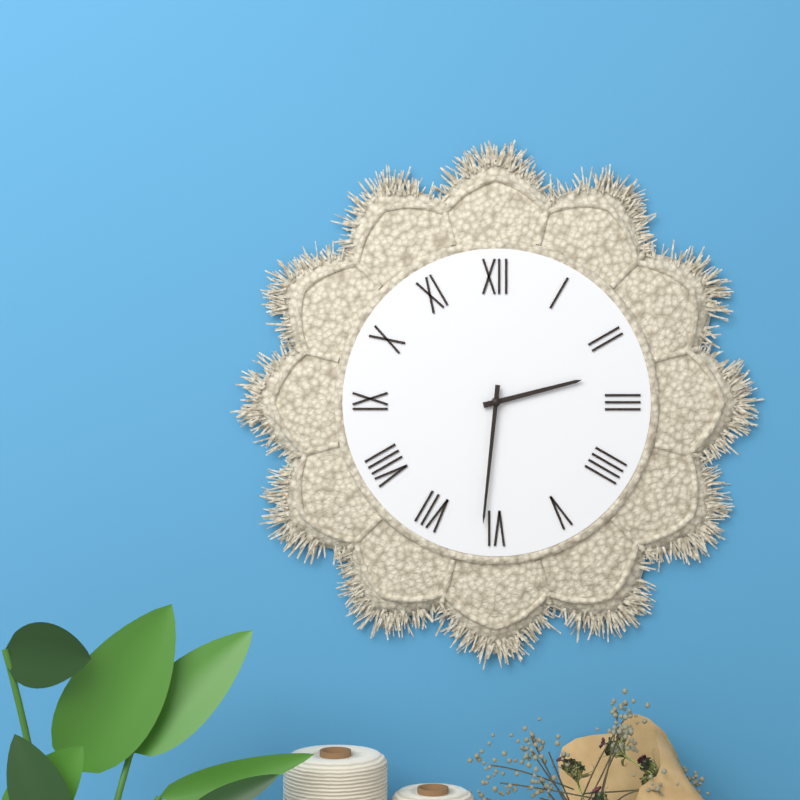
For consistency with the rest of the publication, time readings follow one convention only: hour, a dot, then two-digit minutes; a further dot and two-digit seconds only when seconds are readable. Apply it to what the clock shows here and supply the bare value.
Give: 2.31
